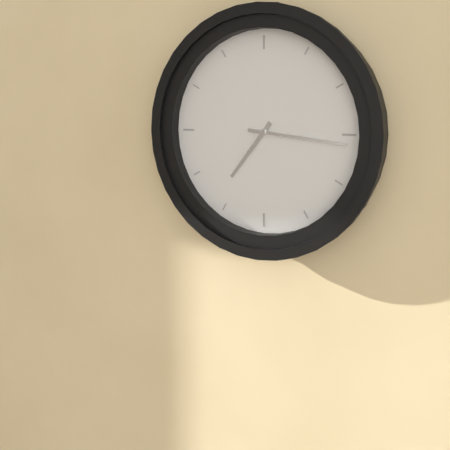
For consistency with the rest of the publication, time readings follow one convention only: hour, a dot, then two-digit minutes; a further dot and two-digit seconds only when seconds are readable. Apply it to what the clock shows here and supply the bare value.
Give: 7.16
